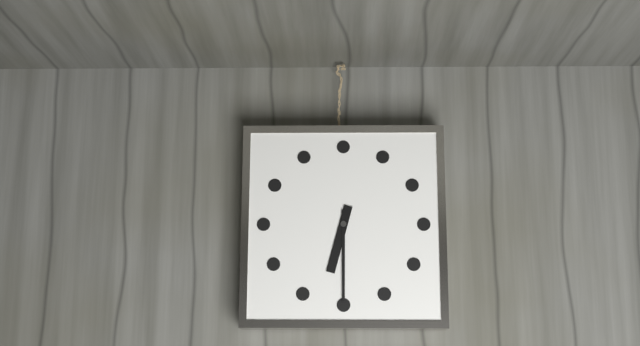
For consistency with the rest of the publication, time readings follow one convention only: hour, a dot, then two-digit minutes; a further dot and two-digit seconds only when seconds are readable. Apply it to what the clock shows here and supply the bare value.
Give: 6.30
